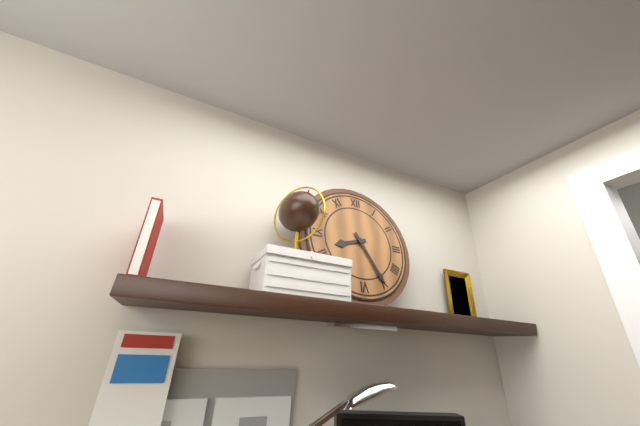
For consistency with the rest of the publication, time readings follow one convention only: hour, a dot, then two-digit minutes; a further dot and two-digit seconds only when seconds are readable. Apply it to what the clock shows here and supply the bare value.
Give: 8.25
